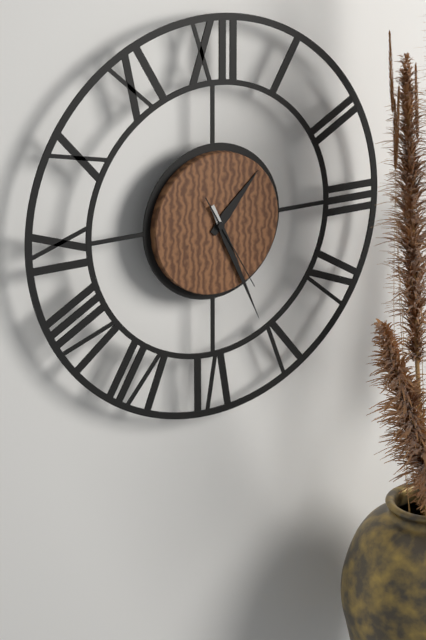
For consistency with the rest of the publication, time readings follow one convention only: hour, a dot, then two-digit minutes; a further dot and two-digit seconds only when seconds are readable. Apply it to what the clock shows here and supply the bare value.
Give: 1.26.25
